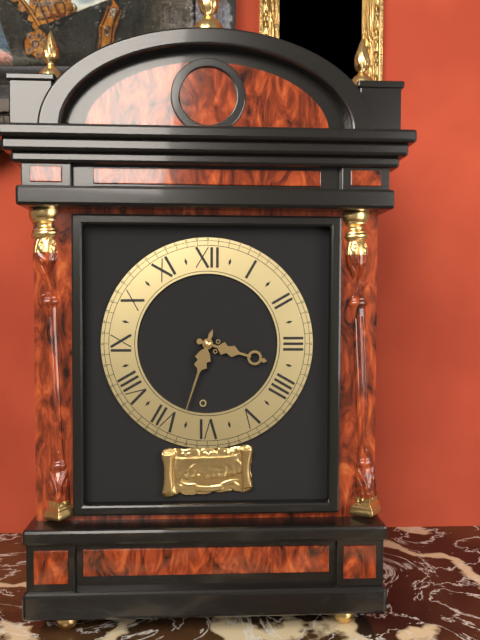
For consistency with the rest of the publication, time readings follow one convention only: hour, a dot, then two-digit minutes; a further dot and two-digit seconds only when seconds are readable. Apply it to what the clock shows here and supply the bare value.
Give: 3.33
